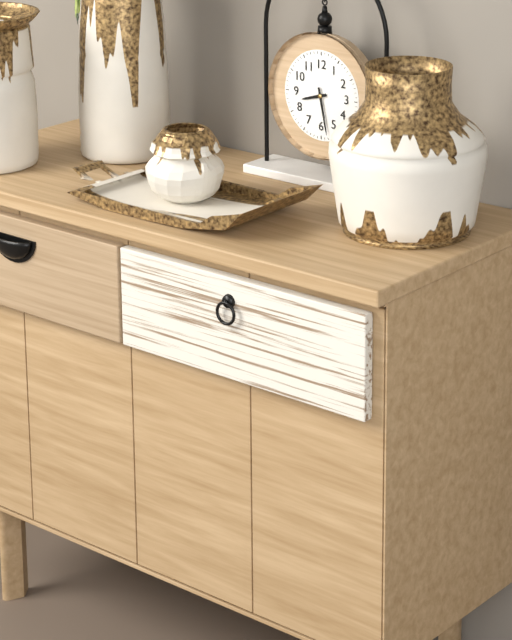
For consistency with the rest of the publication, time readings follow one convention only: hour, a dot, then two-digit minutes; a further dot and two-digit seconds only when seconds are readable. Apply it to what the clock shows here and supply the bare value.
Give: 8.28
